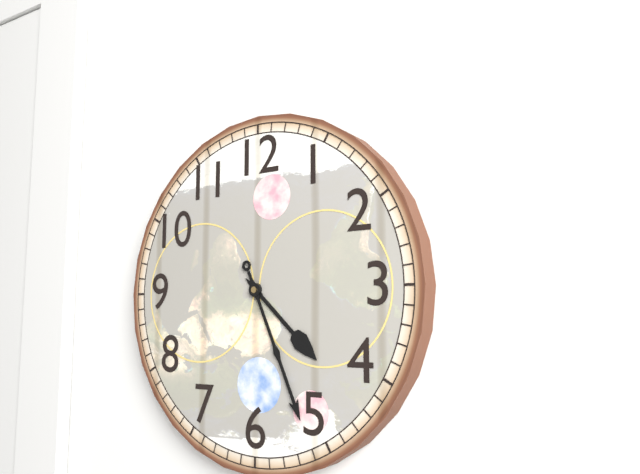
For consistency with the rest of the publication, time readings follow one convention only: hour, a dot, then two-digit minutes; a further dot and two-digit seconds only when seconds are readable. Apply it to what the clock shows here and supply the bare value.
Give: 4.26
